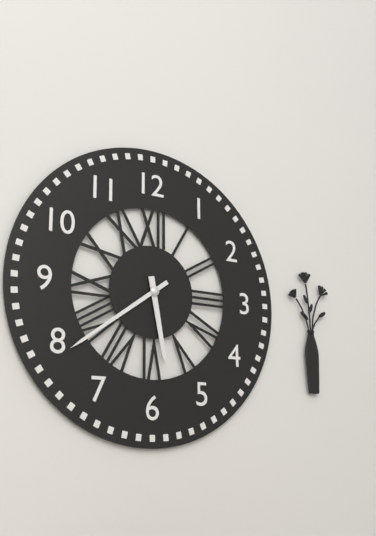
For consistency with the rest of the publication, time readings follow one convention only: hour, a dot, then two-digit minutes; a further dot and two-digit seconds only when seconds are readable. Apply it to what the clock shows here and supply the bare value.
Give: 5.39
